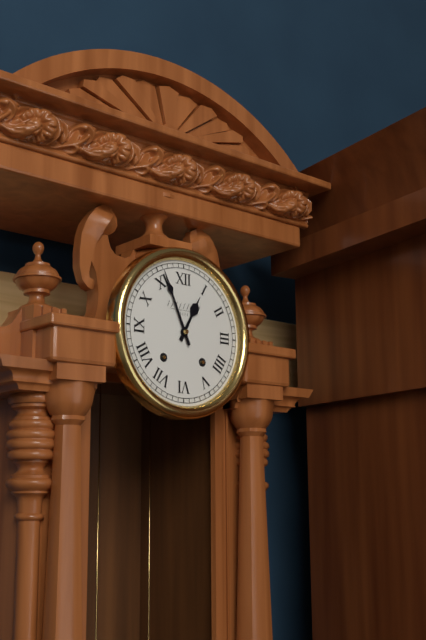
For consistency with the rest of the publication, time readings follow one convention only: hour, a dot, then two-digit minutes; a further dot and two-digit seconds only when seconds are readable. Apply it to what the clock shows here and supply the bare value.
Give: 12.56
